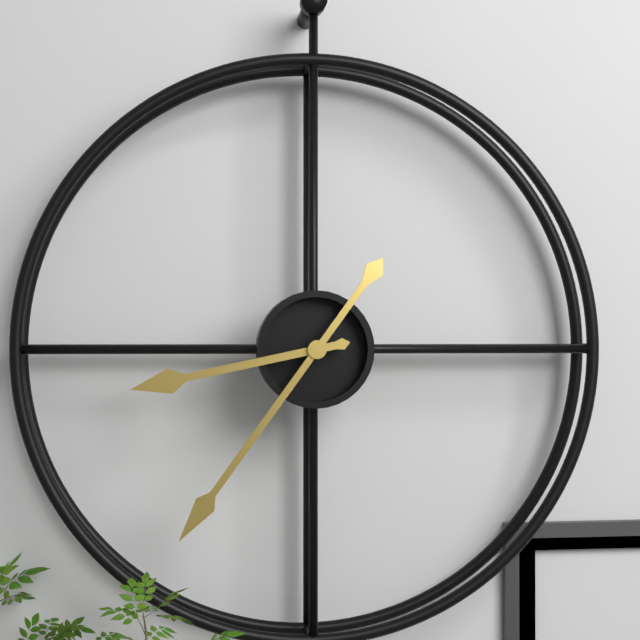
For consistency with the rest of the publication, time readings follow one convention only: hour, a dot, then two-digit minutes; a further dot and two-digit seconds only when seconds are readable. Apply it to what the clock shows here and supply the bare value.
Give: 8.36
